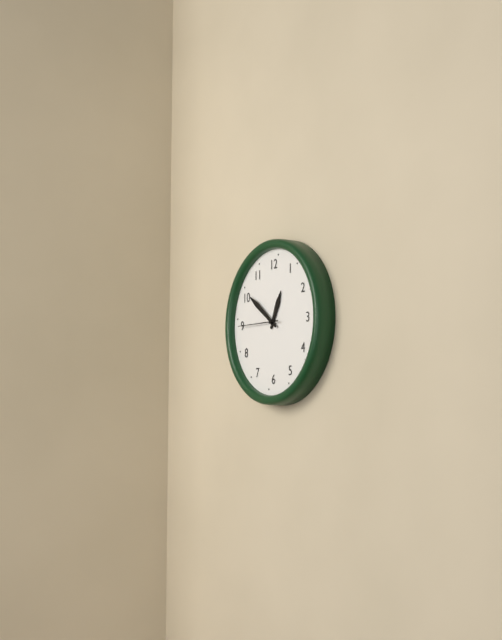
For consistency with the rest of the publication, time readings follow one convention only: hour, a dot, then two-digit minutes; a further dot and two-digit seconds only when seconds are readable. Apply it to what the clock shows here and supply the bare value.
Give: 12.51.45
